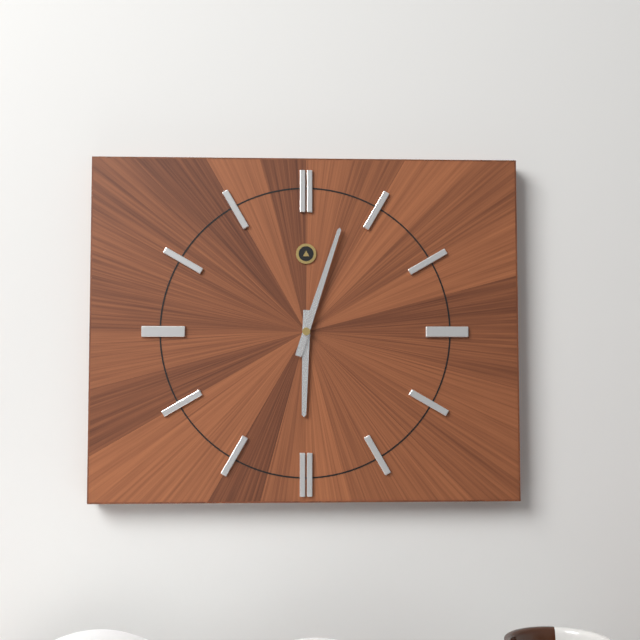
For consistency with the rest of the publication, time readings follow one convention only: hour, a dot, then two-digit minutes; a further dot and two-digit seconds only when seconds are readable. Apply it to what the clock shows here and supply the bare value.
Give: 6.03
